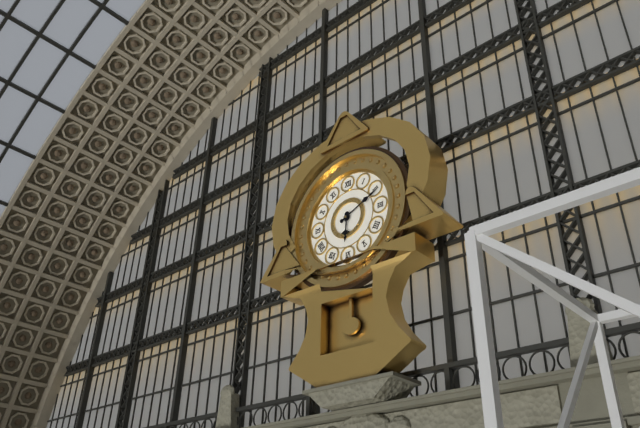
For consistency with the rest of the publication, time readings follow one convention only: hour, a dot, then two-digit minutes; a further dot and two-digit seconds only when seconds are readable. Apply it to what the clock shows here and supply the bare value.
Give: 6.11
